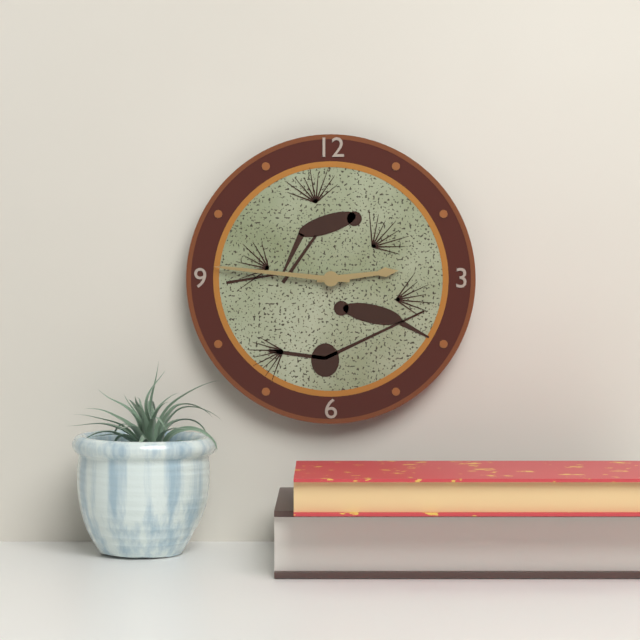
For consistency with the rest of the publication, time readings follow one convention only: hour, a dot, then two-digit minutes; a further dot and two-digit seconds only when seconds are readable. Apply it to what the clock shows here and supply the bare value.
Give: 2.46
